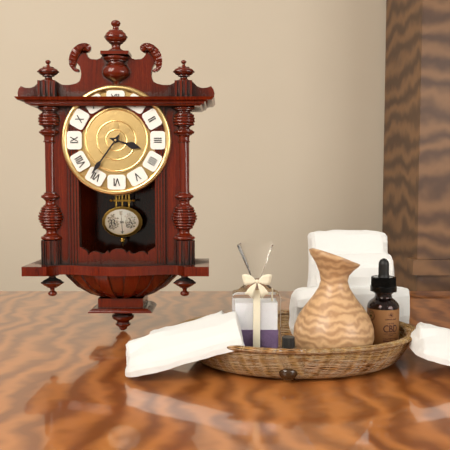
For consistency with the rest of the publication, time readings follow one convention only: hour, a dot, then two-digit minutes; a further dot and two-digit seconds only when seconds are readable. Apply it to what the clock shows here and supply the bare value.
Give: 3.36
